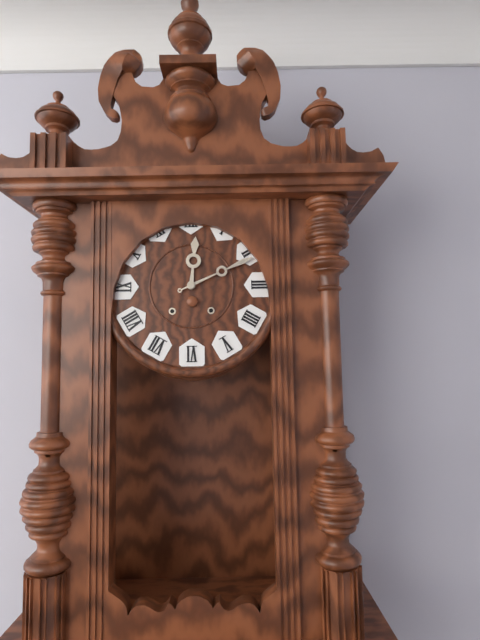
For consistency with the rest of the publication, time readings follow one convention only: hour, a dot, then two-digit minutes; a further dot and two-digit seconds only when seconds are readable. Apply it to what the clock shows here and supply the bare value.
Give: 12.11
